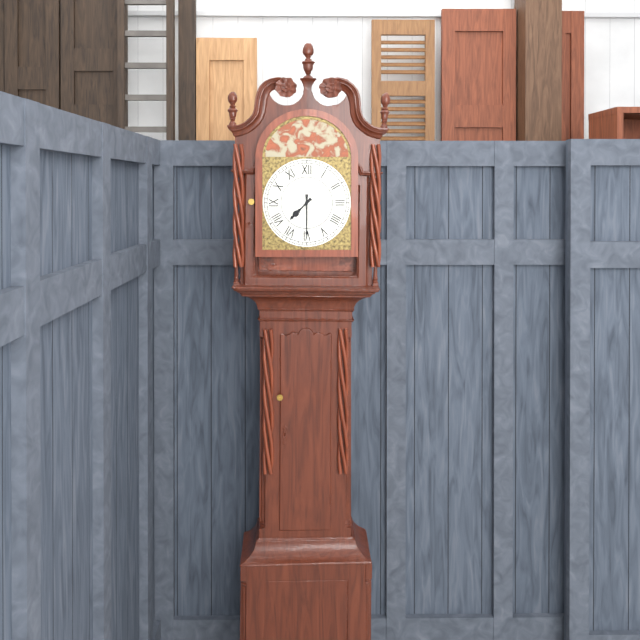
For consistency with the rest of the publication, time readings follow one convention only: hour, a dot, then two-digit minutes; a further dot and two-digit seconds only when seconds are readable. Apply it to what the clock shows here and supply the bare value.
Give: 7.30
